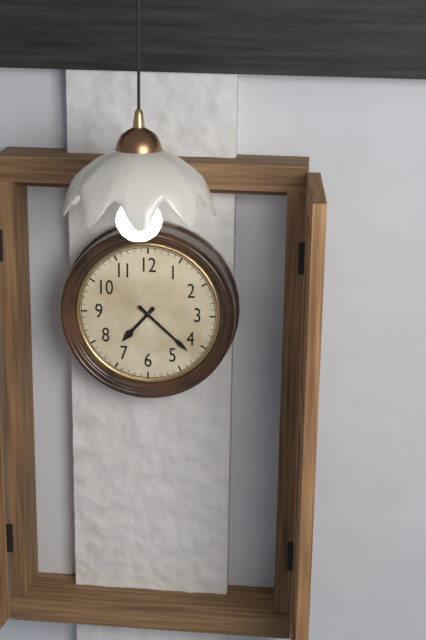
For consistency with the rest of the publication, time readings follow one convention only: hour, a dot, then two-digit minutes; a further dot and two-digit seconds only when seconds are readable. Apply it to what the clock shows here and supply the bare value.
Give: 7.22
